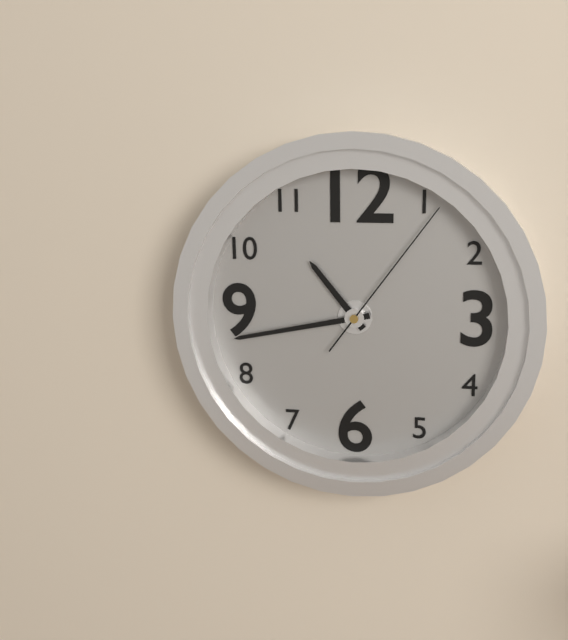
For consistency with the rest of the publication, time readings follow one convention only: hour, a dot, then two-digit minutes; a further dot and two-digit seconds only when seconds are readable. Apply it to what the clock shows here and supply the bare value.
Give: 10.43.06
